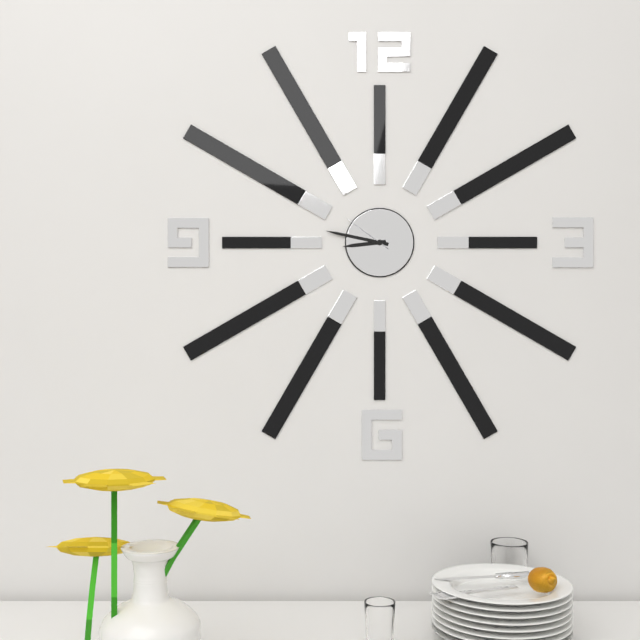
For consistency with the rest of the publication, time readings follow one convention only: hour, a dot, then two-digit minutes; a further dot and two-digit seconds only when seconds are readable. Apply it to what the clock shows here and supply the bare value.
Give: 8.47.51
